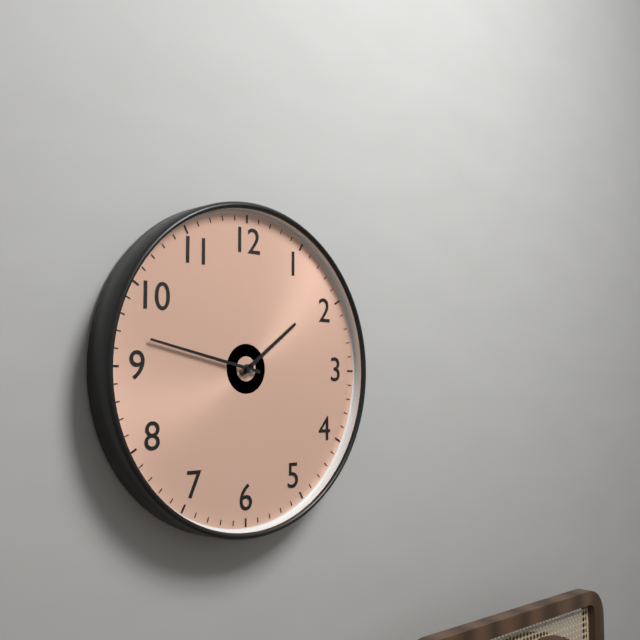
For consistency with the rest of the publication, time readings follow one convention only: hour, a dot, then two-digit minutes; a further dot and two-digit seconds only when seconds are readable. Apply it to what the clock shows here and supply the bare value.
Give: 1.47
